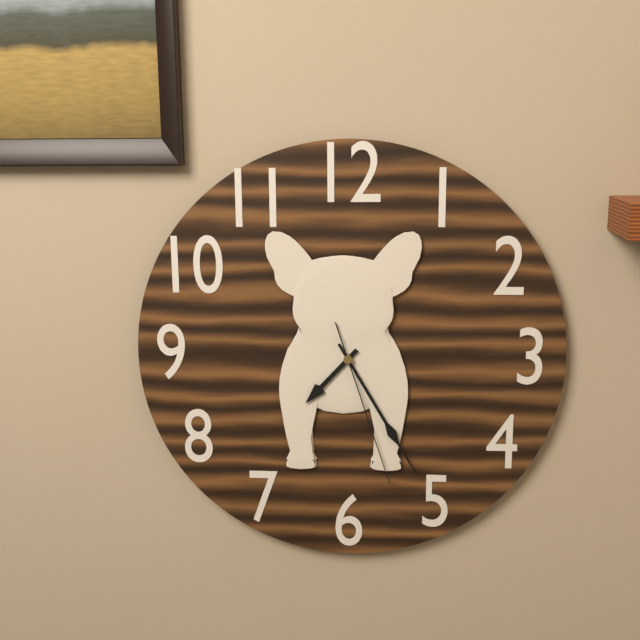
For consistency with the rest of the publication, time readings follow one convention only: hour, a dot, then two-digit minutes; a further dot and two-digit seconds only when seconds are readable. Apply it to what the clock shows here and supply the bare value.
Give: 7.25.27
